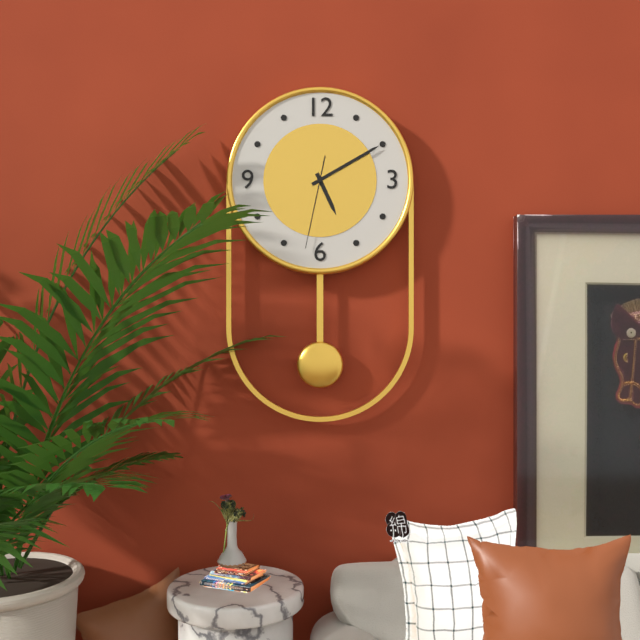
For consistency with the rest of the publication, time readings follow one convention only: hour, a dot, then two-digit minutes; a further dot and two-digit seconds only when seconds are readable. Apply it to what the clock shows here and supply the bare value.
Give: 5.10.32
